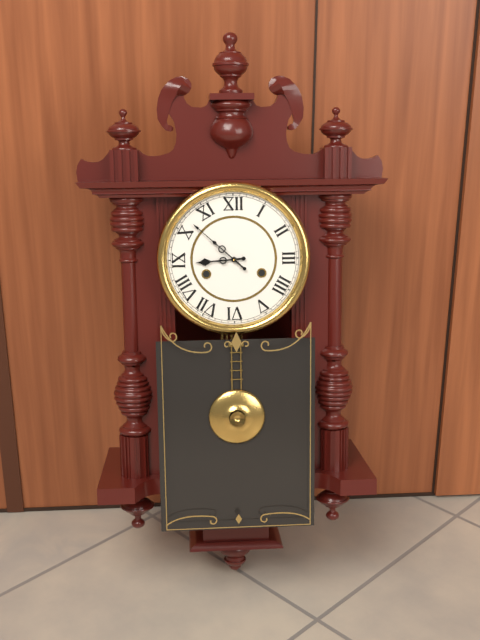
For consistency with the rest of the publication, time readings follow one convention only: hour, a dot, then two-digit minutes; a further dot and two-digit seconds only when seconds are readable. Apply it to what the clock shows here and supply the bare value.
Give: 8.52
